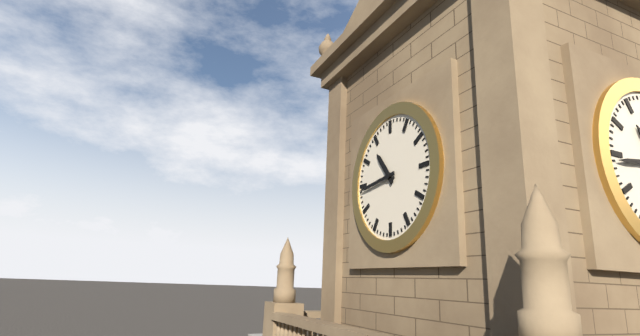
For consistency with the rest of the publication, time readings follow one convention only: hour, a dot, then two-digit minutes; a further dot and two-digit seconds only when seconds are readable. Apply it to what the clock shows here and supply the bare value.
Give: 10.44
